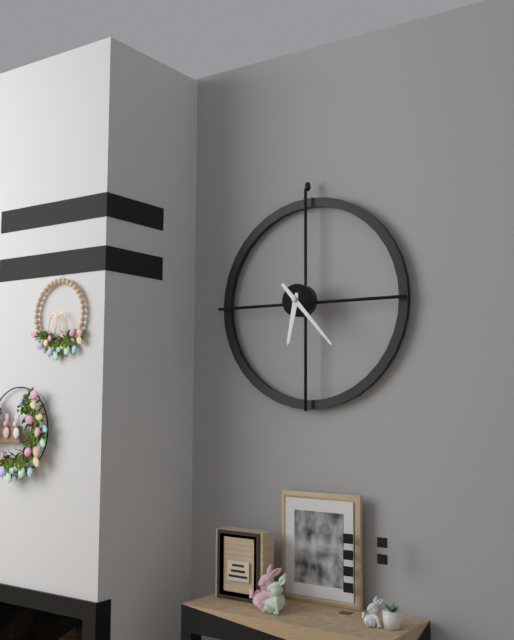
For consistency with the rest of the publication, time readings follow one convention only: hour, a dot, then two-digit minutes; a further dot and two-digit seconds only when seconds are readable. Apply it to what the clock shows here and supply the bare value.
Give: 6.23
